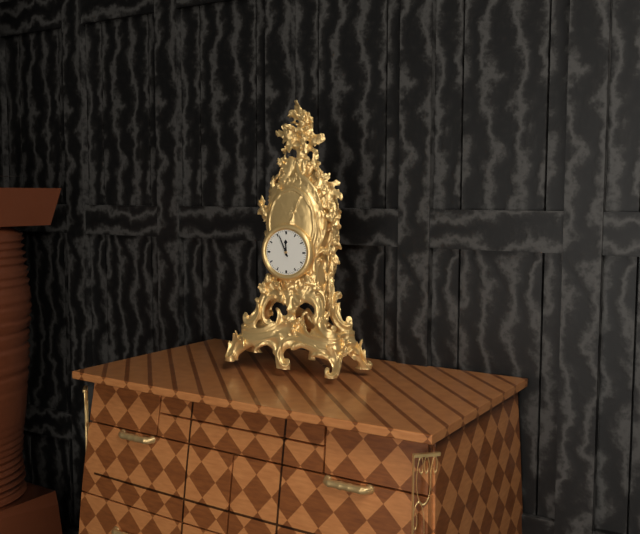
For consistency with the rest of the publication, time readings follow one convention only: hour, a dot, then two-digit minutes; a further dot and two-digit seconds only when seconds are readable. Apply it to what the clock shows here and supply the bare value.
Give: 11.56
